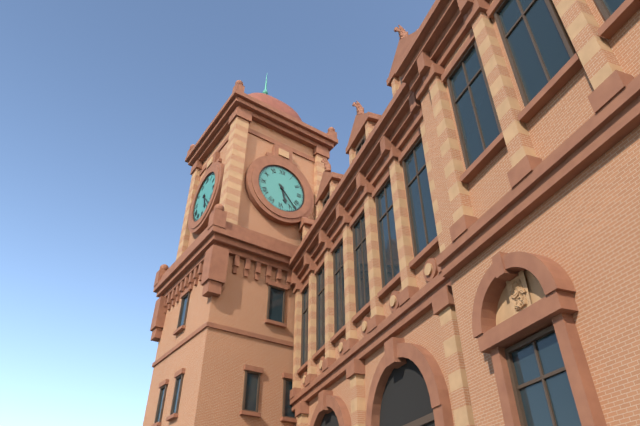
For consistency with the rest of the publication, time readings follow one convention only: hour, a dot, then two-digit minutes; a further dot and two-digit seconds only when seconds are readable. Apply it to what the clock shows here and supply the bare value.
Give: 5.23
